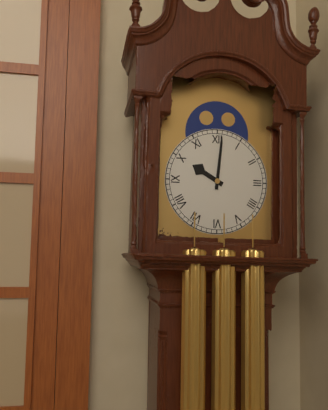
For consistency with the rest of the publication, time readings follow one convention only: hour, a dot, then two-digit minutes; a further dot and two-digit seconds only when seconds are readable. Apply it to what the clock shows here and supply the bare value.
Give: 10.01
